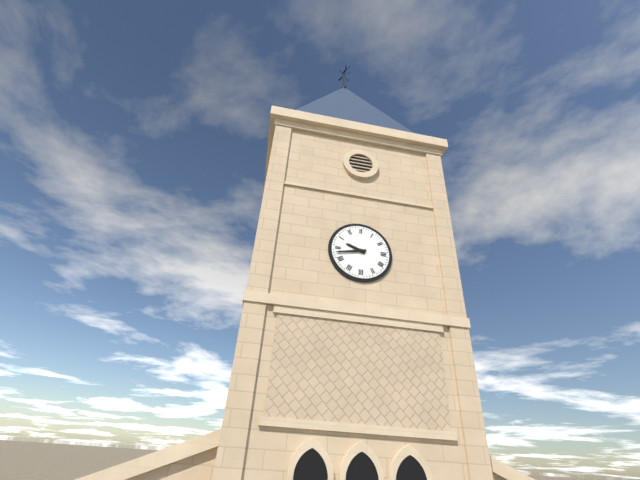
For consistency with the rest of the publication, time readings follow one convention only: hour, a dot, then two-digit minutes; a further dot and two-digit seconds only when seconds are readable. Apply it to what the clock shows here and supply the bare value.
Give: 9.43
